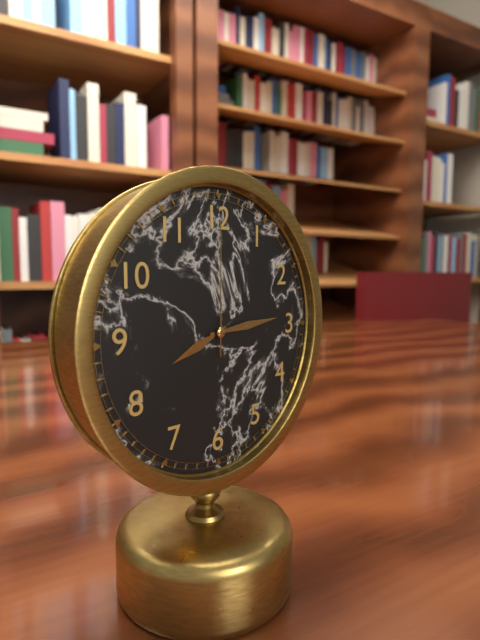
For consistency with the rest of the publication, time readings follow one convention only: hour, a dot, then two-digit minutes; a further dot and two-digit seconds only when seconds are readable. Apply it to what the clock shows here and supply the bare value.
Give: 8.14.00
